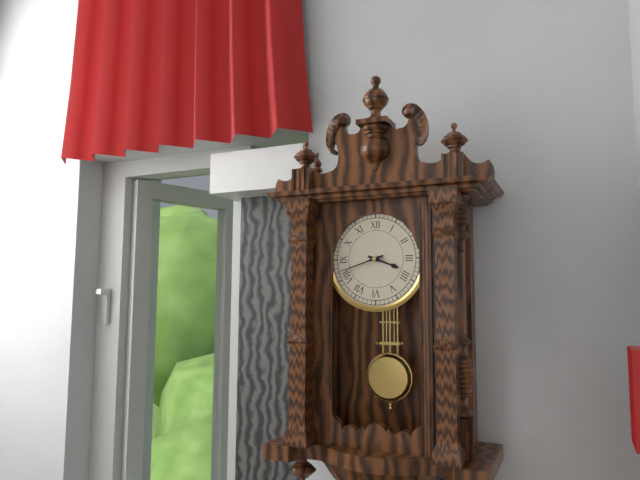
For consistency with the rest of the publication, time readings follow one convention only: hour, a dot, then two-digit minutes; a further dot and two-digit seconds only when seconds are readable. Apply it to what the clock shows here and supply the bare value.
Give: 3.42
